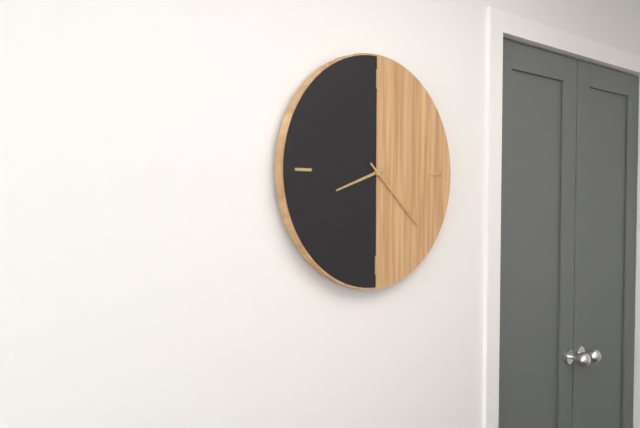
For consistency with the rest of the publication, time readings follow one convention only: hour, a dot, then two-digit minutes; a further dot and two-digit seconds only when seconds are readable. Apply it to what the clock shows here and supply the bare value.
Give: 8.22
